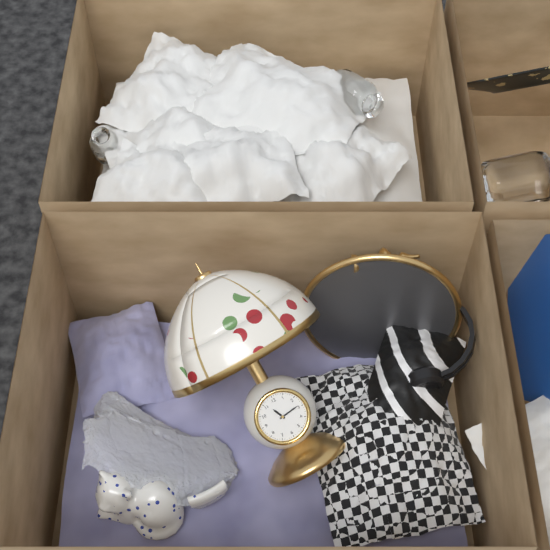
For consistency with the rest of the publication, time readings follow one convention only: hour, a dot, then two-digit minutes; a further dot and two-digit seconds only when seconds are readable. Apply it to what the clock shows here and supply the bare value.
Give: 11.14
